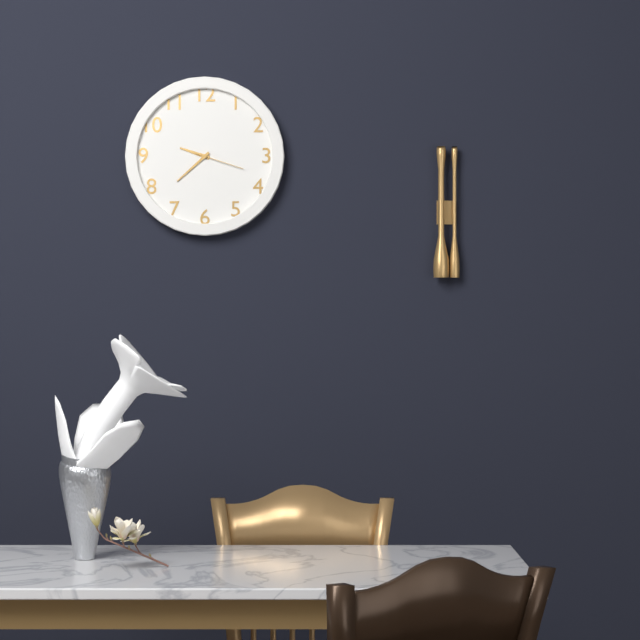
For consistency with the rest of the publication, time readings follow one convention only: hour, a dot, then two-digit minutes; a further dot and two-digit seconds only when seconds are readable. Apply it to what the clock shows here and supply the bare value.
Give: 9.38.18
